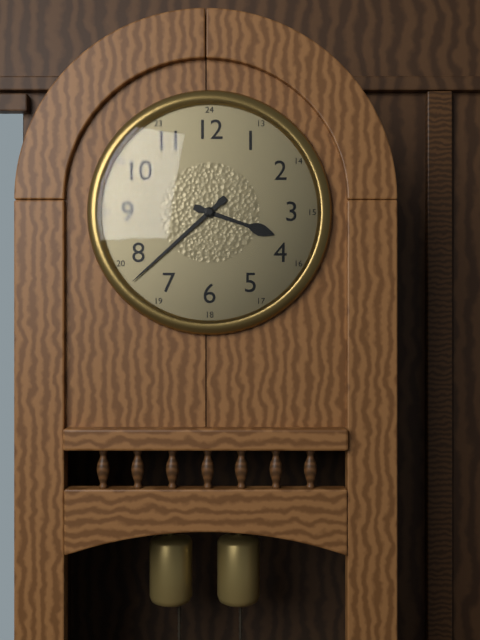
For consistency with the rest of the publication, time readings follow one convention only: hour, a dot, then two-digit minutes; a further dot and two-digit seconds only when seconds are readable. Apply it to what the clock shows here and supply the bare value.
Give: 3.38
